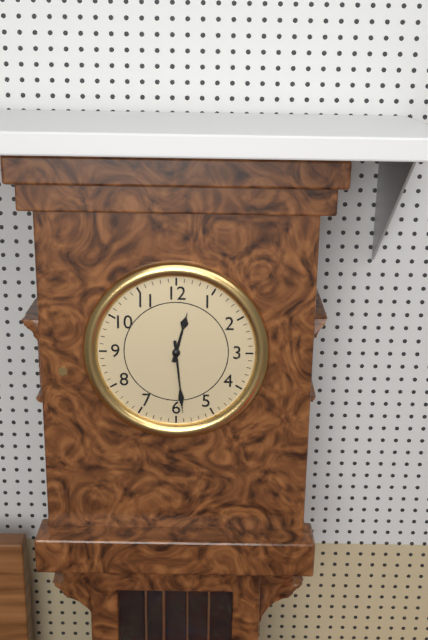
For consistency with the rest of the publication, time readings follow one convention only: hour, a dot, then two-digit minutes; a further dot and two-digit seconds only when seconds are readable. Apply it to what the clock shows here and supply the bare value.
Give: 12.29
